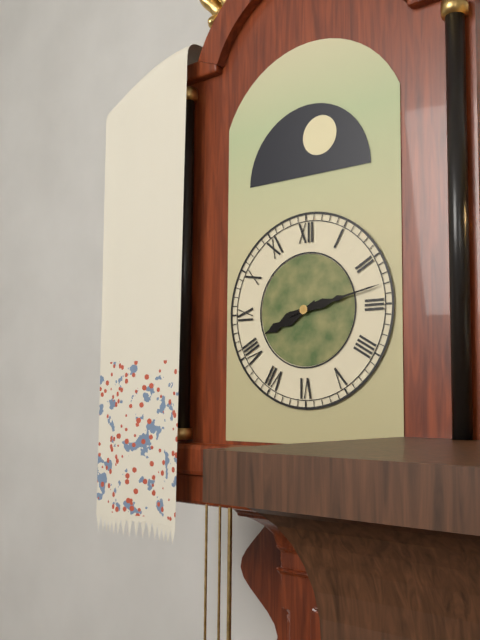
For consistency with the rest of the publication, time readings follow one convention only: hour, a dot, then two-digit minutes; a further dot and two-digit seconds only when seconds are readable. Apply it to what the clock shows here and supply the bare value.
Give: 8.13
